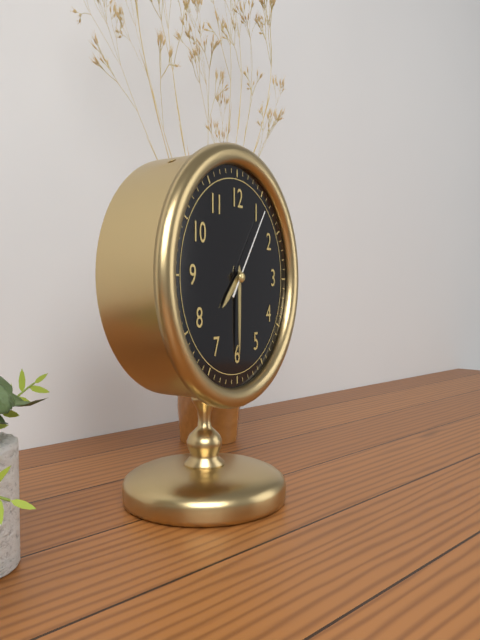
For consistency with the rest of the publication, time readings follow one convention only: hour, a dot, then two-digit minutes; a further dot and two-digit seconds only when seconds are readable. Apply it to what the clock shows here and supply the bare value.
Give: 7.30.06
